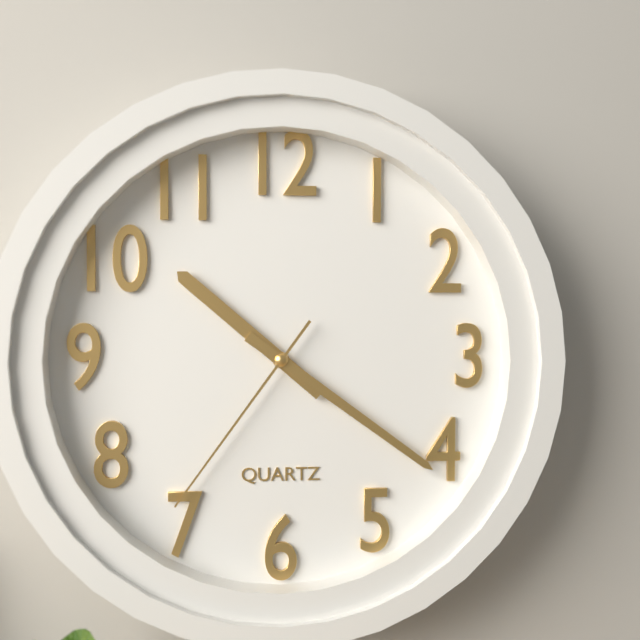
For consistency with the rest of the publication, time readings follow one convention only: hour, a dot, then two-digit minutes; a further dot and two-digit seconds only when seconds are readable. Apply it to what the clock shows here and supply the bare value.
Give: 10.21.36
